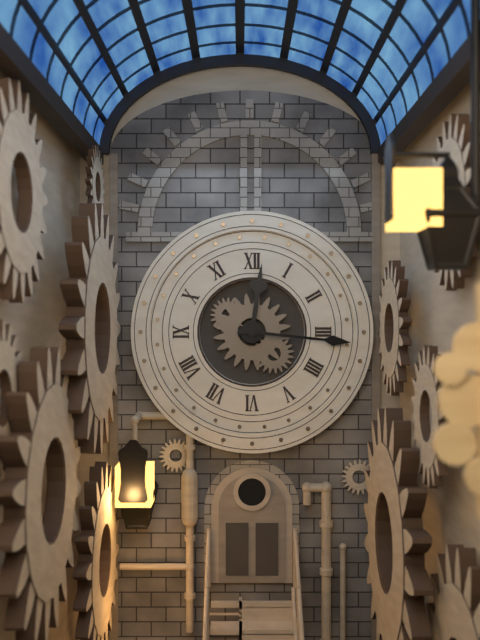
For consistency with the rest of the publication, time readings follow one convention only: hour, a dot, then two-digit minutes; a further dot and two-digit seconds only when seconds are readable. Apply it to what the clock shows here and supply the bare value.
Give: 12.16
